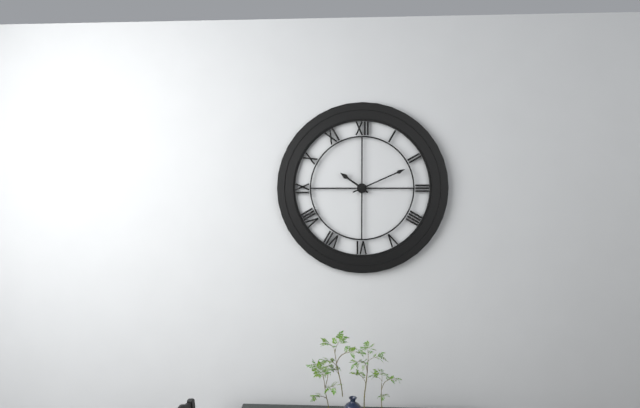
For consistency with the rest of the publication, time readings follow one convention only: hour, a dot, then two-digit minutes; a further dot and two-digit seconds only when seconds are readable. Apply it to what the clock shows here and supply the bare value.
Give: 10.11
